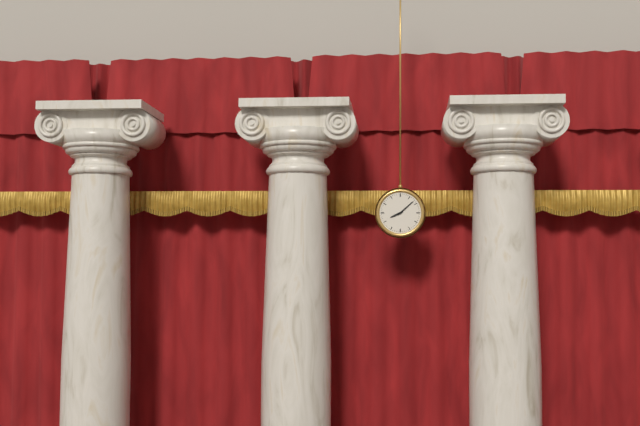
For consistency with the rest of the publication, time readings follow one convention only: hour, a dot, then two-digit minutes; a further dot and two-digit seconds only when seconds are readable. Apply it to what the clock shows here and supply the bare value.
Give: 8.08
